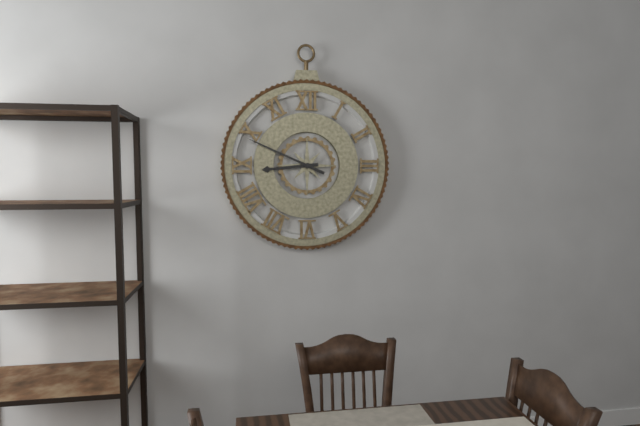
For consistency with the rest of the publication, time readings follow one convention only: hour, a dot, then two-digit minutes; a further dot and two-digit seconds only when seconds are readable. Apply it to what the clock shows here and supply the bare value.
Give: 8.49
